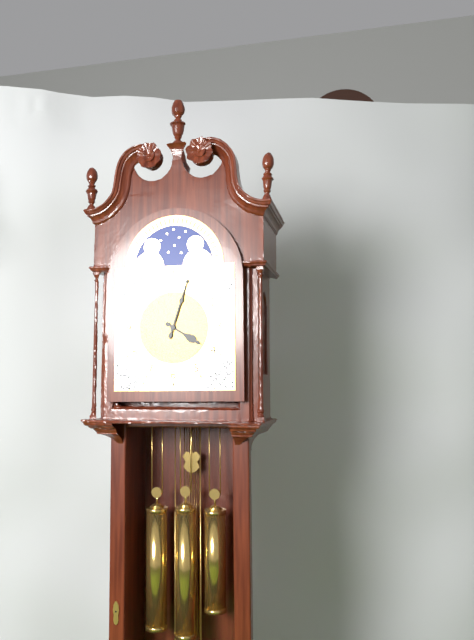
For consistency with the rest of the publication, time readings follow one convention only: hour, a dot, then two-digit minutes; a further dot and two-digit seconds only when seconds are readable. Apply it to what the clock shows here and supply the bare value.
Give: 4.03
